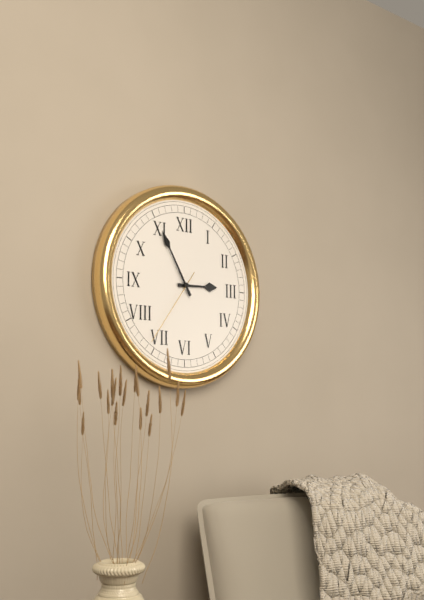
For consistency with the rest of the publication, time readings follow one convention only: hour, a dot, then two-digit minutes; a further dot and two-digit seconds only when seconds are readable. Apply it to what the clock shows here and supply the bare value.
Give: 2.55.36
